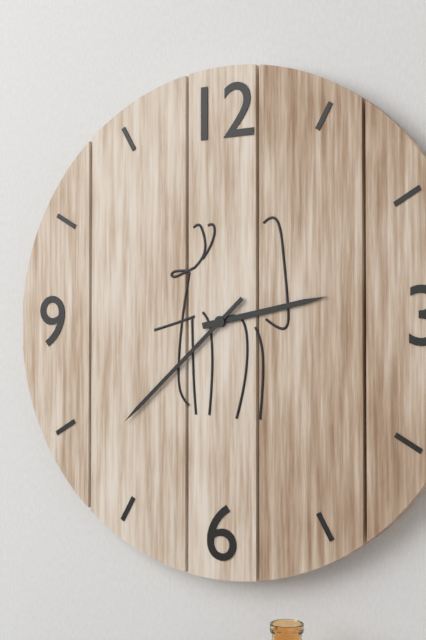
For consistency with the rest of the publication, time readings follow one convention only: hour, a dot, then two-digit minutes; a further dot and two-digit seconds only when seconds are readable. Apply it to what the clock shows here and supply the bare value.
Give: 2.38
